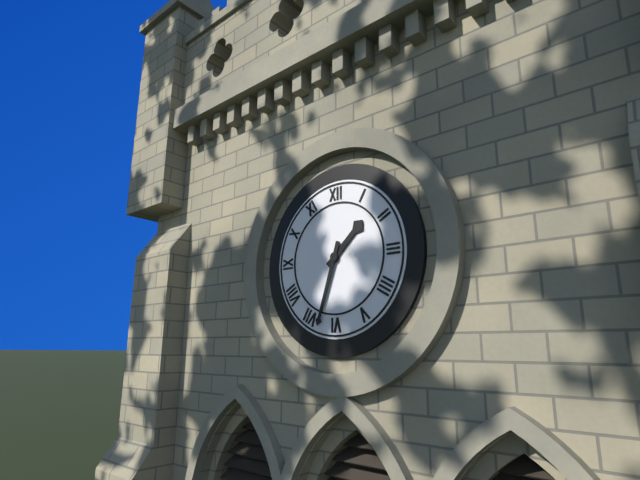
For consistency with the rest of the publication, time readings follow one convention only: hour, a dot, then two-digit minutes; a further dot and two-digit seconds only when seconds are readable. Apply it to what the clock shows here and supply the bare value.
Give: 1.33
